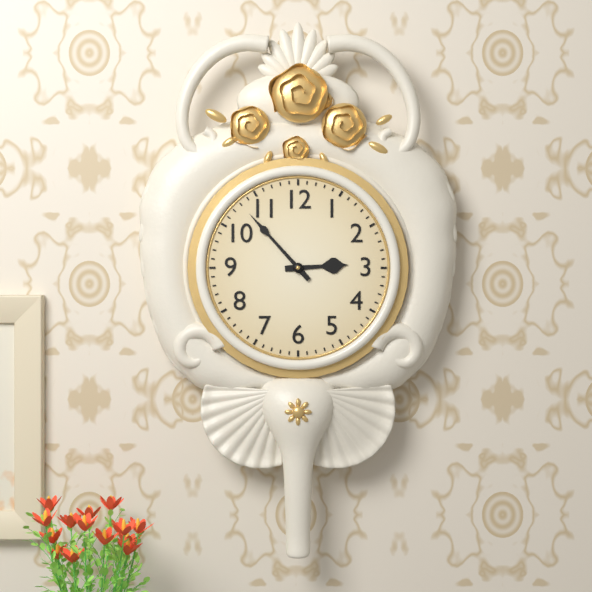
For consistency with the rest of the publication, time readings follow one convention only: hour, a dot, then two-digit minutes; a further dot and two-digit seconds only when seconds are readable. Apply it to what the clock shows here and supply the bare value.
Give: 2.53
